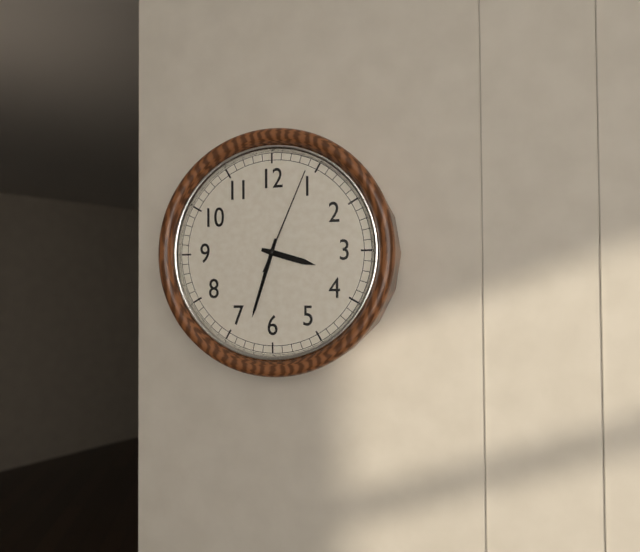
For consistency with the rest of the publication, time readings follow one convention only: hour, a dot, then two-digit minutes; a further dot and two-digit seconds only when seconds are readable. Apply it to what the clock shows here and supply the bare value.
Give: 3.33.04
